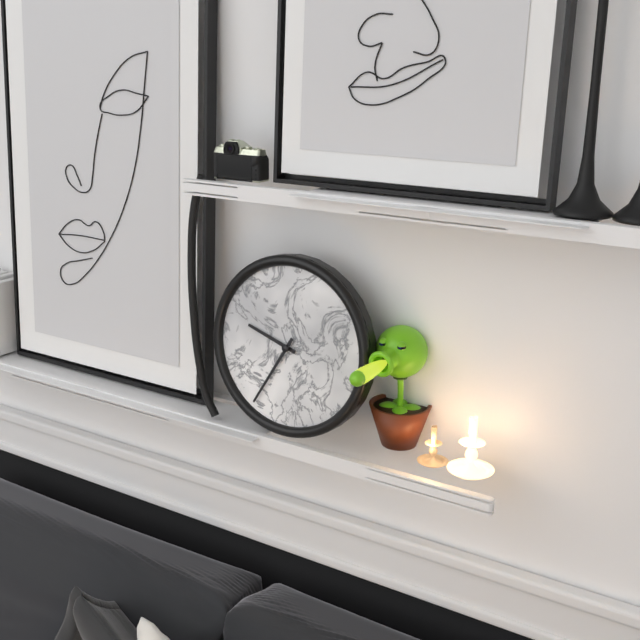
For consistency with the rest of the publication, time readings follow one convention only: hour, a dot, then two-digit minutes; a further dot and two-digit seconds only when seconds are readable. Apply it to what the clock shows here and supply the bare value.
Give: 9.35
